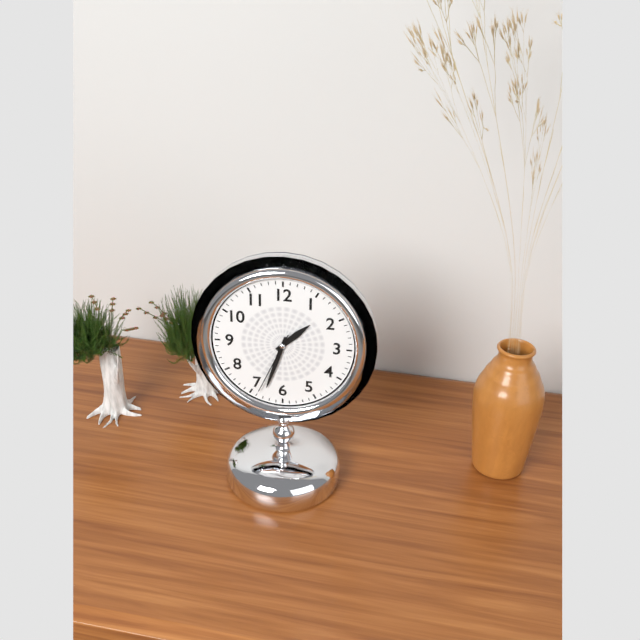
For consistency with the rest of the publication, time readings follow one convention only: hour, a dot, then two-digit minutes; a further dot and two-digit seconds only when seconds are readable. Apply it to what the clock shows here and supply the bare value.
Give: 1.33.34
